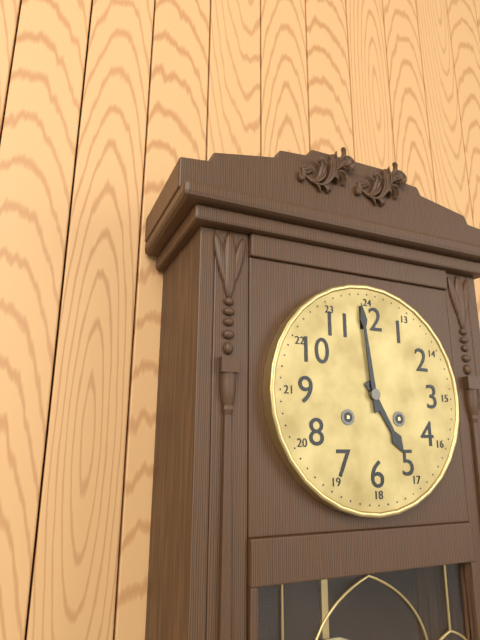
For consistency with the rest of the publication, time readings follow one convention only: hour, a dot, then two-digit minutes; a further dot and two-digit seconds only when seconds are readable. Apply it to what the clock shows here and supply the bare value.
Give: 4.59
